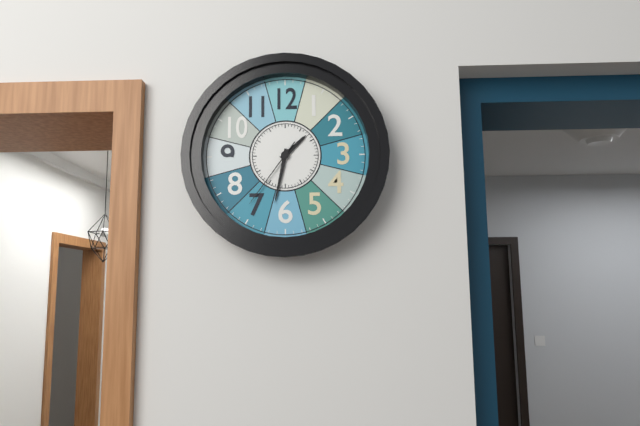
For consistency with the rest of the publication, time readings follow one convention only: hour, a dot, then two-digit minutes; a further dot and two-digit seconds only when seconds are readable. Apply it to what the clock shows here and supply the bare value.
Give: 1.32.36
